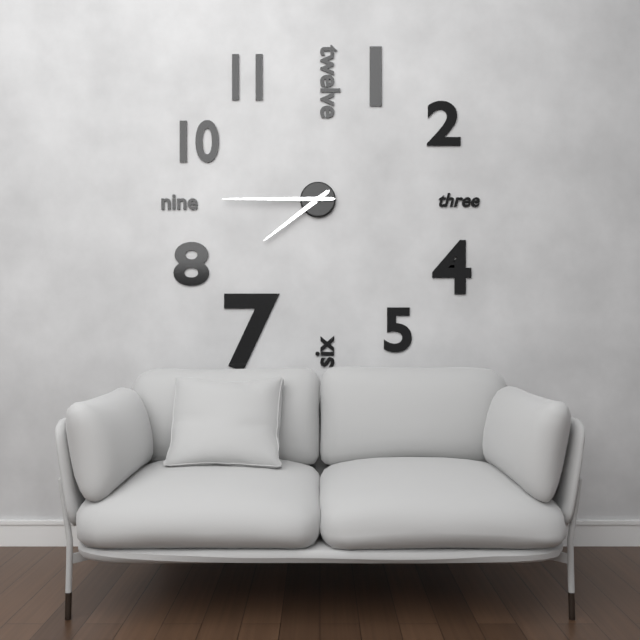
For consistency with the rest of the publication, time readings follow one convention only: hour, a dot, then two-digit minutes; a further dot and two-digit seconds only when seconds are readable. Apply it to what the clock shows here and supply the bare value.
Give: 7.45
